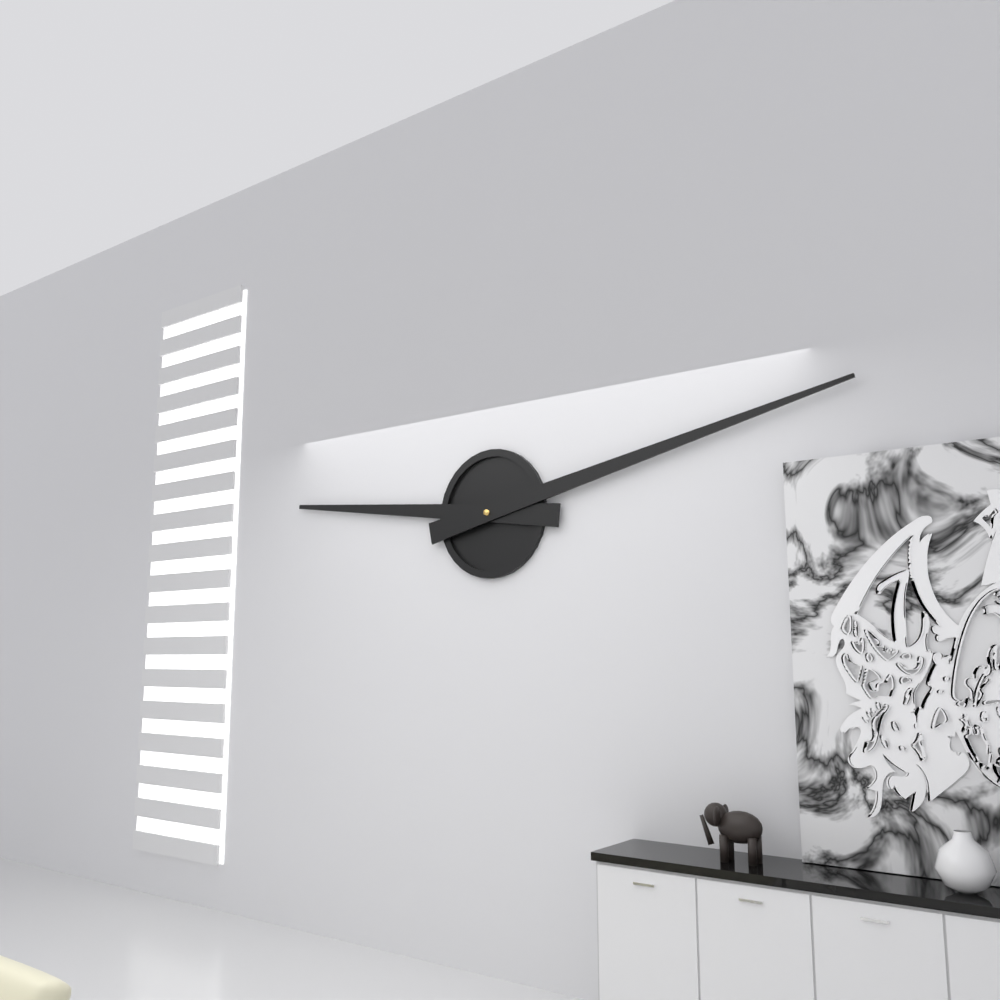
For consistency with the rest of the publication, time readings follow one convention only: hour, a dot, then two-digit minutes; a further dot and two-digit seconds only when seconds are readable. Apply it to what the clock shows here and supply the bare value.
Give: 9.13
